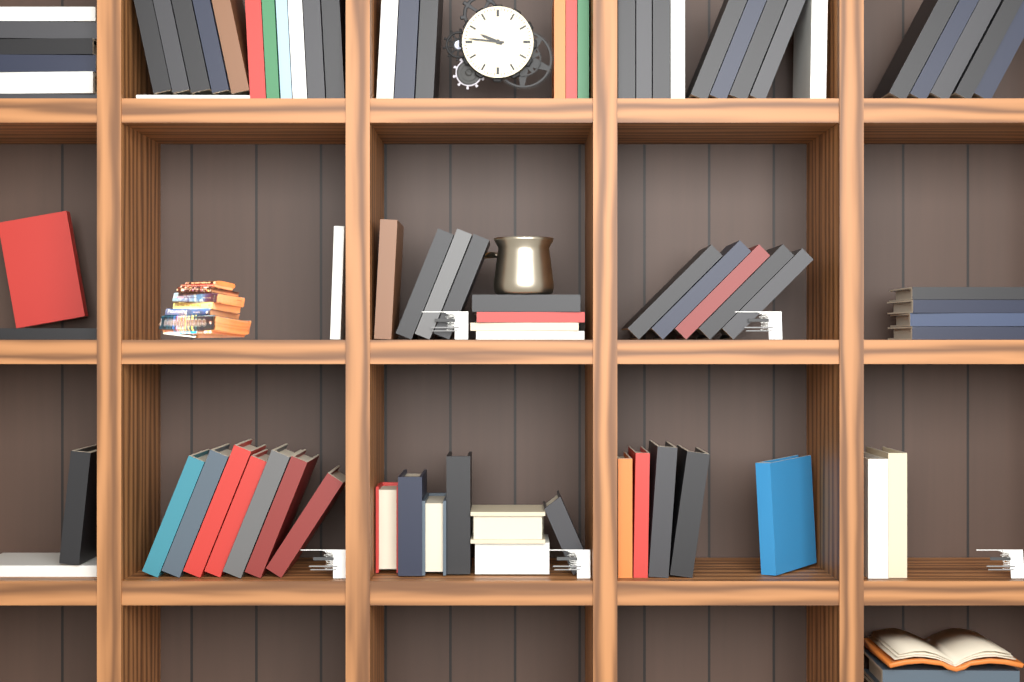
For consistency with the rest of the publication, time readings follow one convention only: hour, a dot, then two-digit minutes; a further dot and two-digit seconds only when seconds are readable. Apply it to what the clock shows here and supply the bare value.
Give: 9.46
